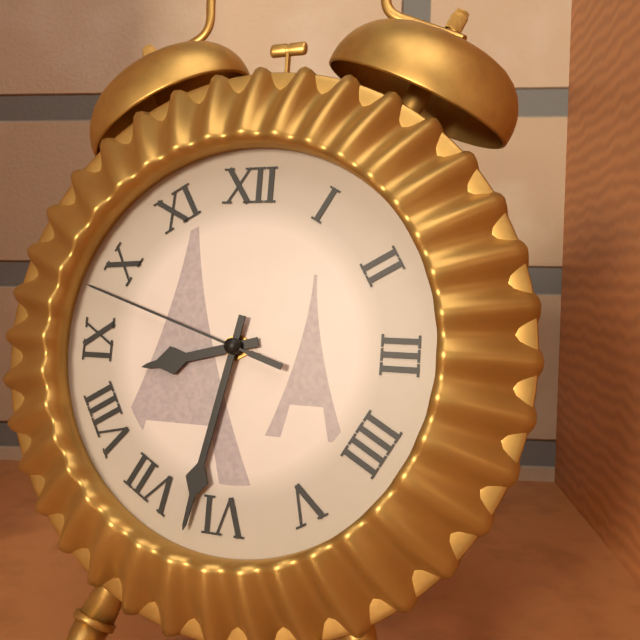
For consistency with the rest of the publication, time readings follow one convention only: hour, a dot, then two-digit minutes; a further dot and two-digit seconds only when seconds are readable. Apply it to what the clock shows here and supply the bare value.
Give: 8.32.48
